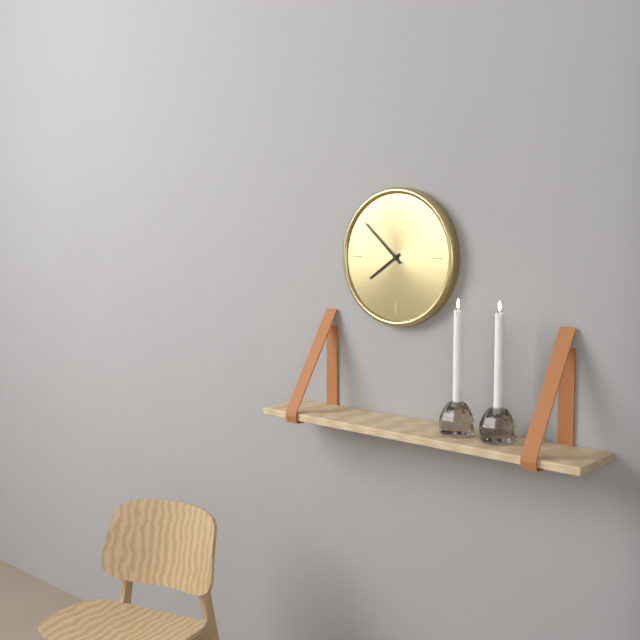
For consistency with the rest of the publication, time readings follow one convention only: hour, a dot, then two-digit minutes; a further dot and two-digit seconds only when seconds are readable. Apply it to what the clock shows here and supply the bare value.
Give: 7.52
